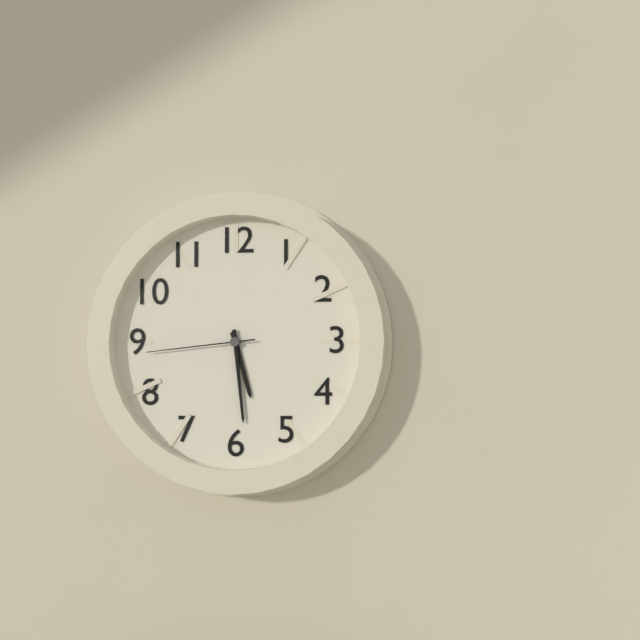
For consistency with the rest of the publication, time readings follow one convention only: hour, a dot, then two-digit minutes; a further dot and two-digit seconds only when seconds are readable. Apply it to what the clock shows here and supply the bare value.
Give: 5.29.44
